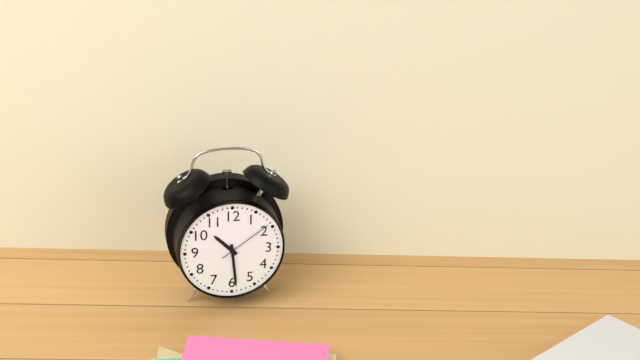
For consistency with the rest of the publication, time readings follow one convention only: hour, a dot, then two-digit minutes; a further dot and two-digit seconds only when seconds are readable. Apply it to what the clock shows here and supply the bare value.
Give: 10.29.09
